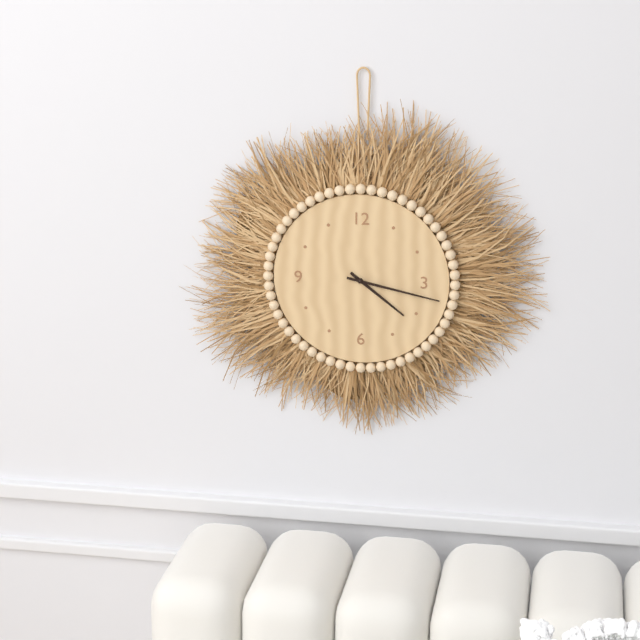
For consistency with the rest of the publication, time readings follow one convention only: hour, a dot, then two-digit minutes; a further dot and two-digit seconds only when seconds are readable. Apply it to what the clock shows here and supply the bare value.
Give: 4.17
